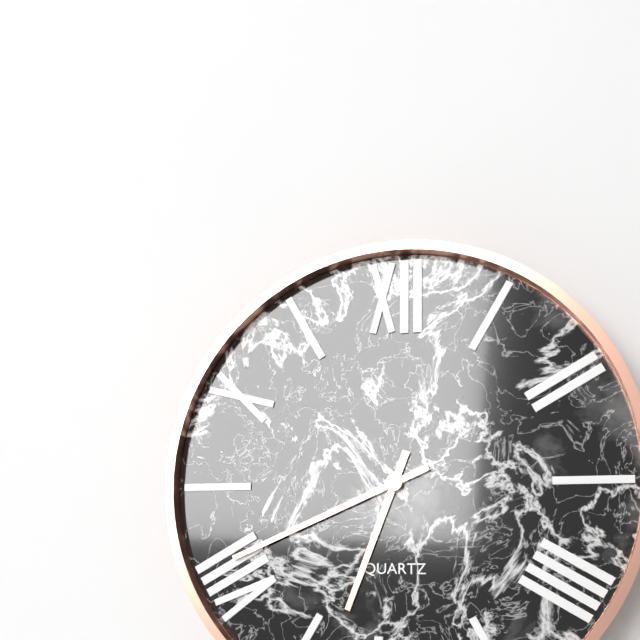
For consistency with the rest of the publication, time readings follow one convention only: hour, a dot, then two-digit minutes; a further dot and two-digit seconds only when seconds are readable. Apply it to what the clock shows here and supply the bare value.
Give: 6.41
